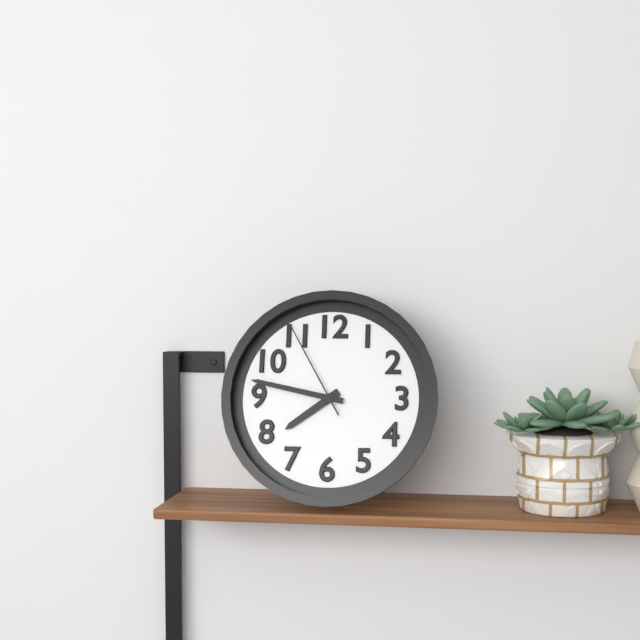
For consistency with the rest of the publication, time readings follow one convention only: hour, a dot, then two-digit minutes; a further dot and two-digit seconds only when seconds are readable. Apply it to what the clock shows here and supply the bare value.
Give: 7.47.55
